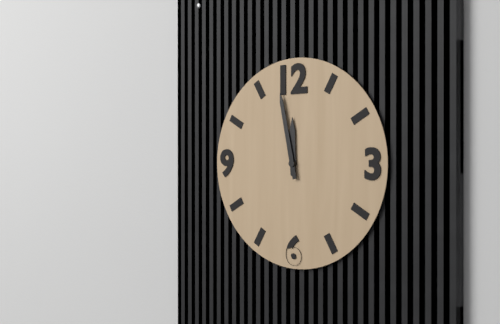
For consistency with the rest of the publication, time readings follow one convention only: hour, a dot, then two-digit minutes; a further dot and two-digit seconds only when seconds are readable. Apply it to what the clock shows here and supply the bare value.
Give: 11.58
